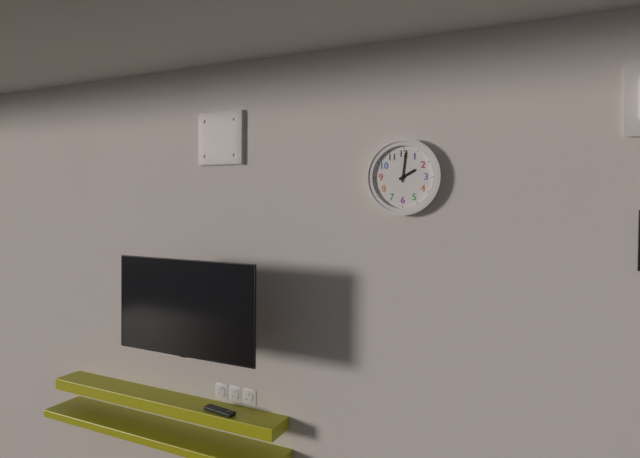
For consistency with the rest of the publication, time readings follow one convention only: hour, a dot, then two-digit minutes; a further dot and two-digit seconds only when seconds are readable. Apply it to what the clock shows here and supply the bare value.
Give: 2.01
